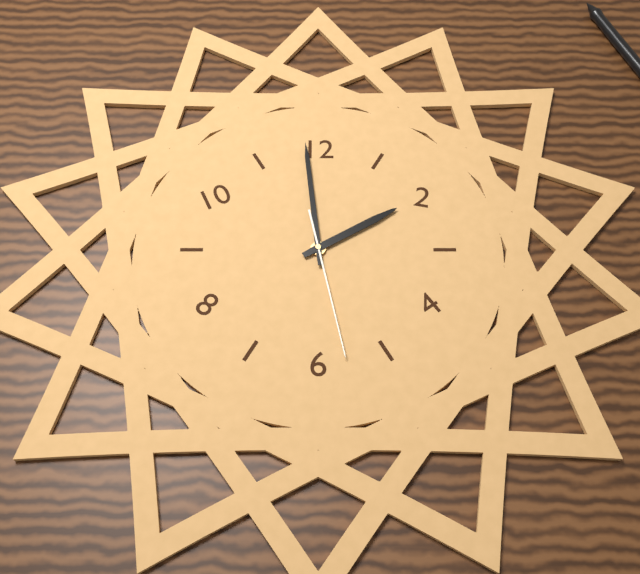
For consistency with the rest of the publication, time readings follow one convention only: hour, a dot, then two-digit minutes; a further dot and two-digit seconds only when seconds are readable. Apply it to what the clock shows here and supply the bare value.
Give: 1.59.28
